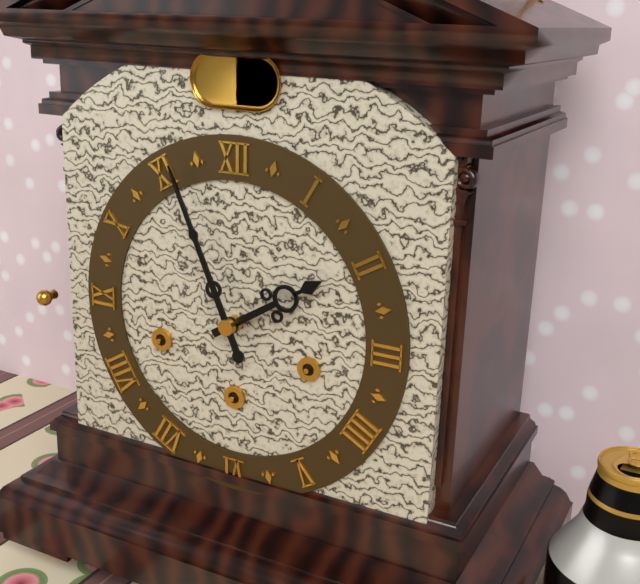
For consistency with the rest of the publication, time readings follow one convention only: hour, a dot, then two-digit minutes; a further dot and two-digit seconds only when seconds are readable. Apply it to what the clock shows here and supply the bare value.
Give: 1.56
